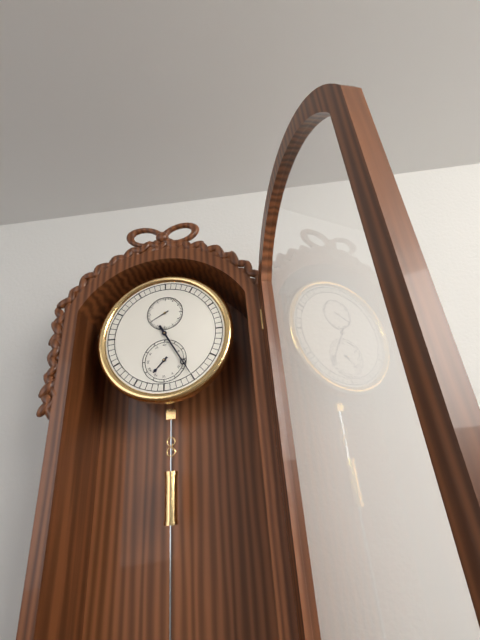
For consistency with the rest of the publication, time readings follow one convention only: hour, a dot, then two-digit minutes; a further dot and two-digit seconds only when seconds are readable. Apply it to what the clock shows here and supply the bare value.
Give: 7.25
